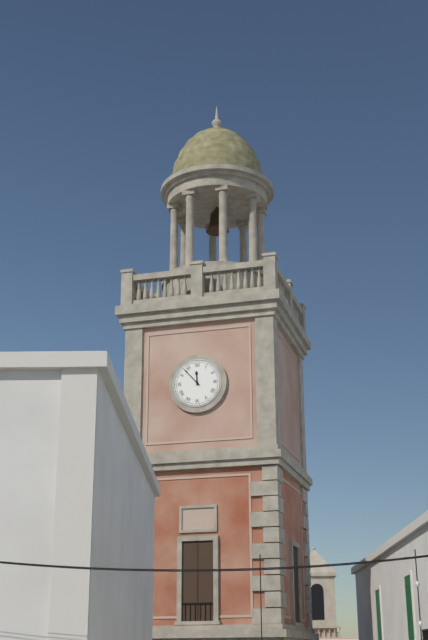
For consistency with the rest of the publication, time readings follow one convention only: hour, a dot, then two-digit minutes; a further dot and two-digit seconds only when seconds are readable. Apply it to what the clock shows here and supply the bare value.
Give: 11.53
